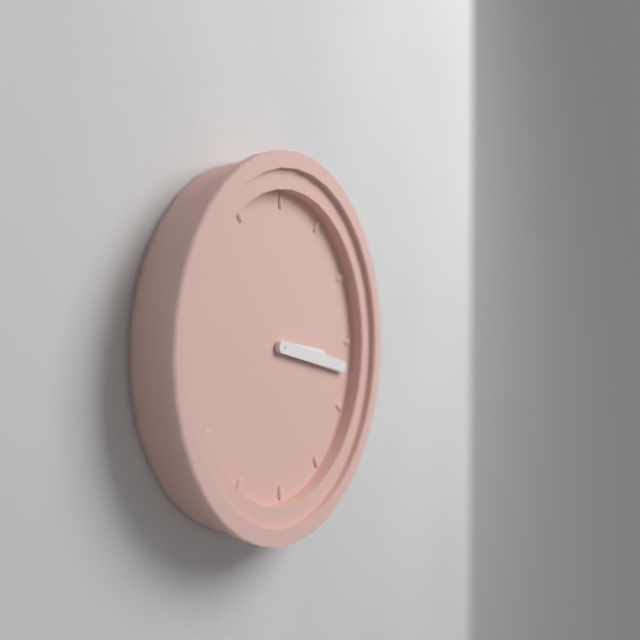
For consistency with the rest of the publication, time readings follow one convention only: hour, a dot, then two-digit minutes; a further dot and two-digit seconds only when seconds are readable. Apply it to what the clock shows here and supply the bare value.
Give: 3.17
